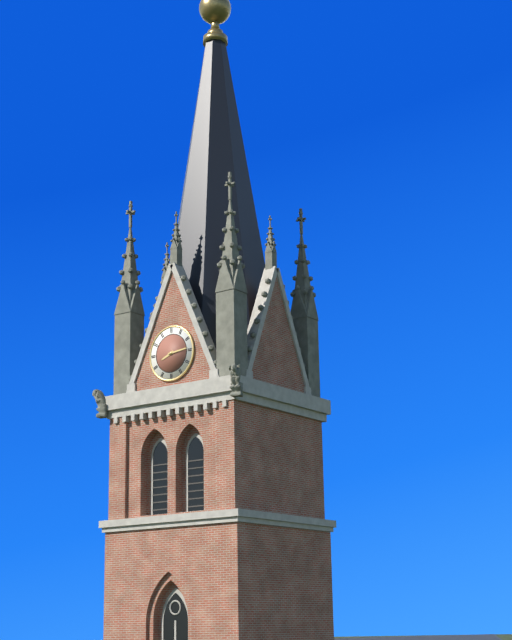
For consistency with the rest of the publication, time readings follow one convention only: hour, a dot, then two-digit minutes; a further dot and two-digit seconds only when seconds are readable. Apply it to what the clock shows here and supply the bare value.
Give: 8.14
